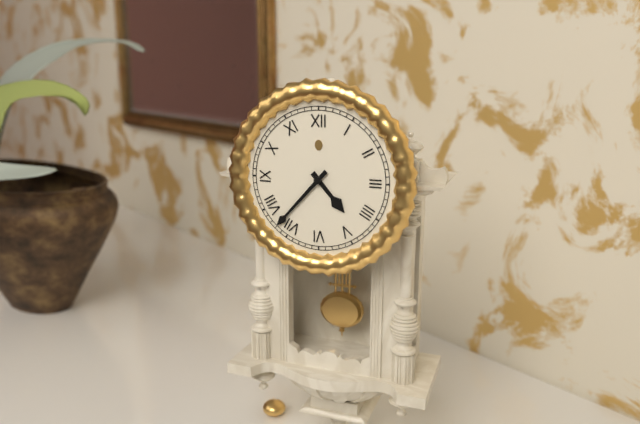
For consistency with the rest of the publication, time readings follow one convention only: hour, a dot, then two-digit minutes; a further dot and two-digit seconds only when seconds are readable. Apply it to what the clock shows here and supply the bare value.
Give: 4.37
